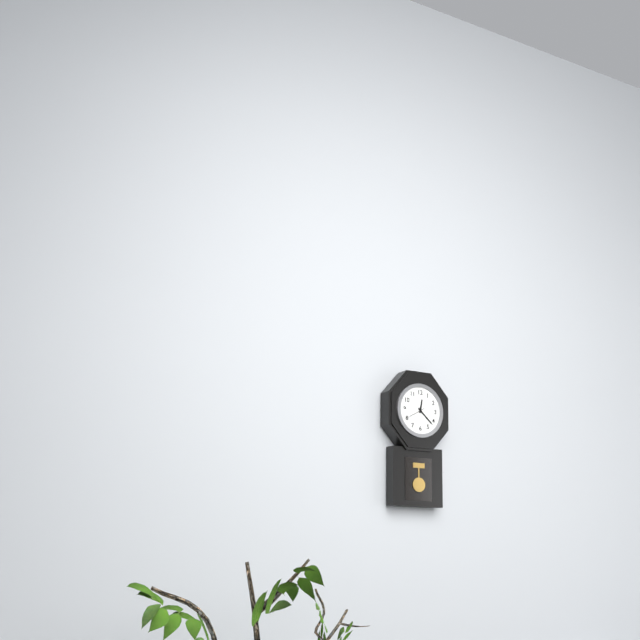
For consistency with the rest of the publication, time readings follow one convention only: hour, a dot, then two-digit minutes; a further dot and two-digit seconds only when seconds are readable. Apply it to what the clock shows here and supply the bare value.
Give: 12.22
